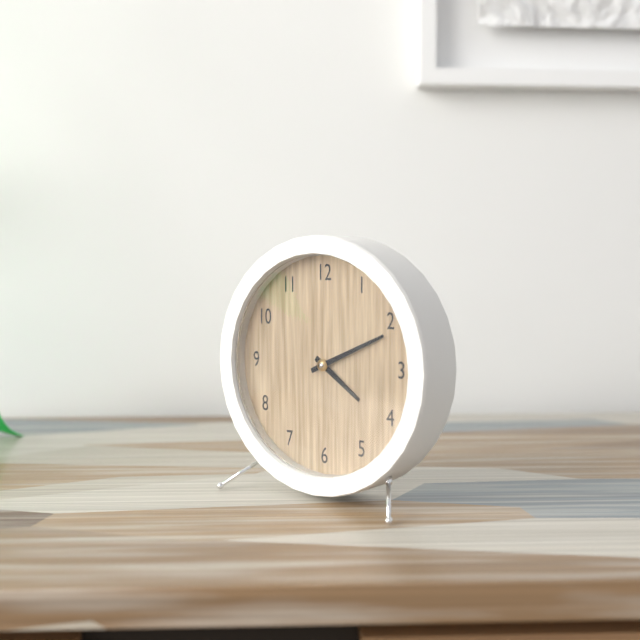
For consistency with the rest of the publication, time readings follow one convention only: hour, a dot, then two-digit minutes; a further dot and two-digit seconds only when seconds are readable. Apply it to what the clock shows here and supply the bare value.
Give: 4.11
